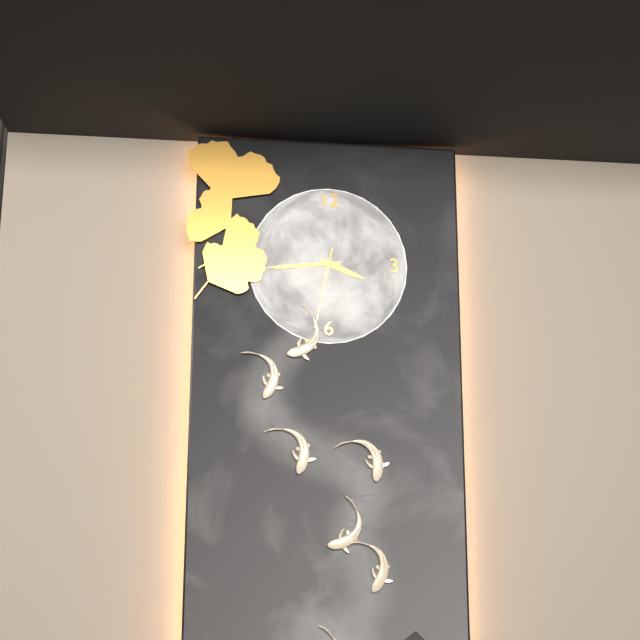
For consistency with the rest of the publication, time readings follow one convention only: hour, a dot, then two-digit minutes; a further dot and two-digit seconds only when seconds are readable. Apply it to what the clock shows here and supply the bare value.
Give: 3.44.32
